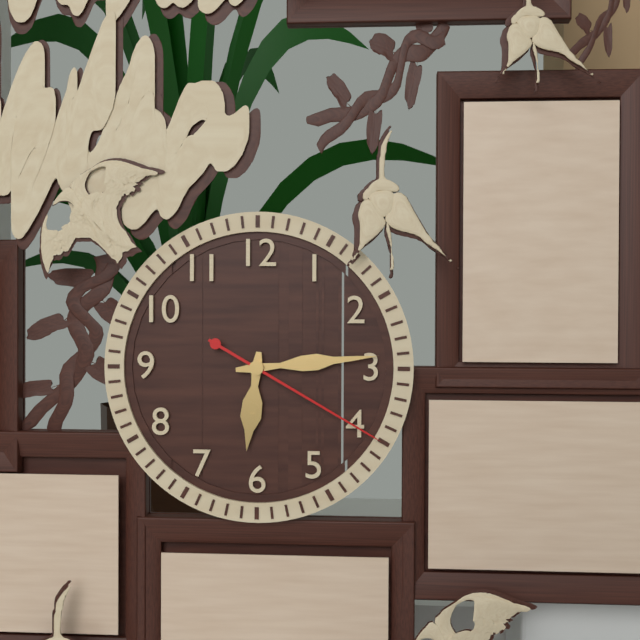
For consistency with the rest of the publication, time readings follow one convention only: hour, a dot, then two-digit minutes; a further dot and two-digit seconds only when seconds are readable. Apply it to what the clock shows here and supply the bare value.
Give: 6.14.20
